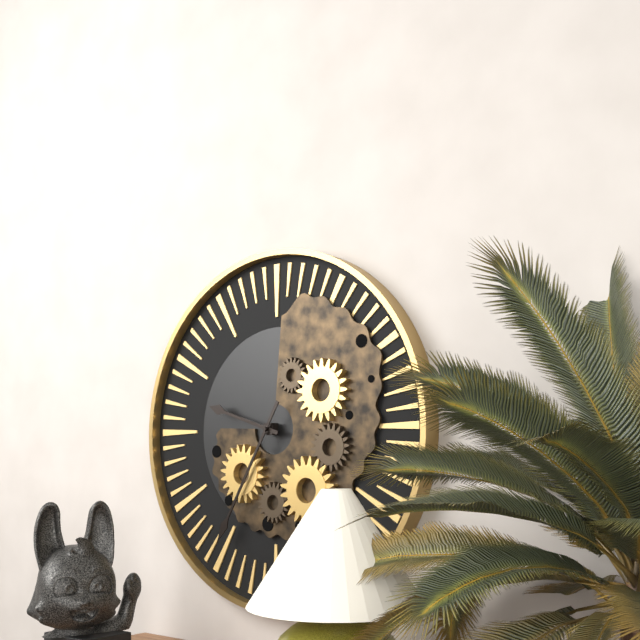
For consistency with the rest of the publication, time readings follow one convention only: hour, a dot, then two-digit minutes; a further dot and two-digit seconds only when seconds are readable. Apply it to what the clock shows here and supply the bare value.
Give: 9.35
